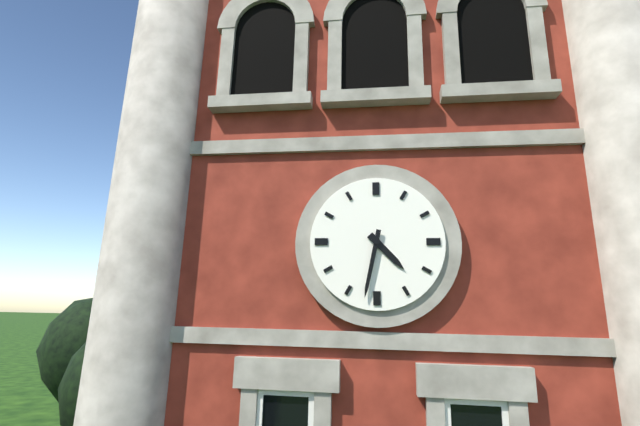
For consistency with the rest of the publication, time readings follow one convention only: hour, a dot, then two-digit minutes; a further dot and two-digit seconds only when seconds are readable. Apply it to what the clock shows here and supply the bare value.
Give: 4.32
